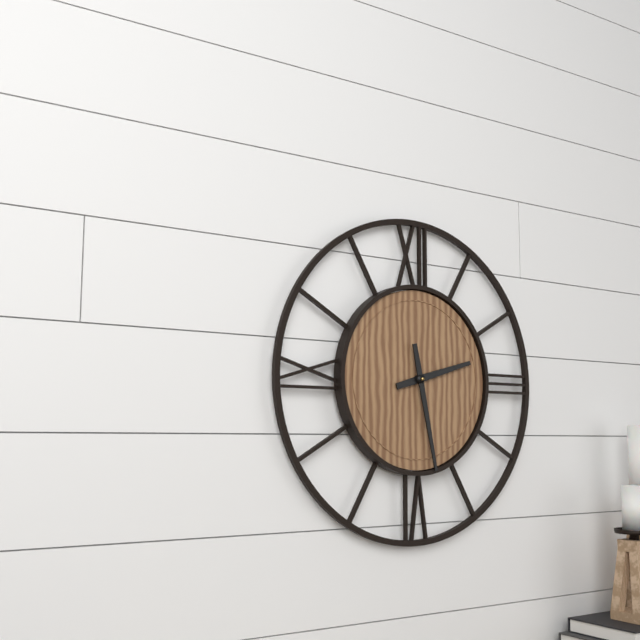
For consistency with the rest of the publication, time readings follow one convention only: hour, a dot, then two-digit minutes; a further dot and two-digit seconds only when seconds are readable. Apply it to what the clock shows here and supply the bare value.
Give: 2.28
